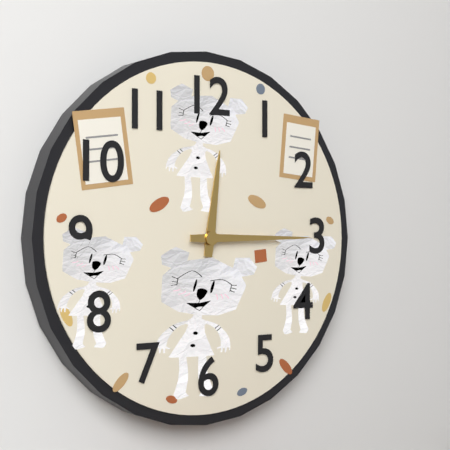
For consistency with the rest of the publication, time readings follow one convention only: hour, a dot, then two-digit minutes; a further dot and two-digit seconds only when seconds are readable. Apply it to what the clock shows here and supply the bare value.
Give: 12.15
